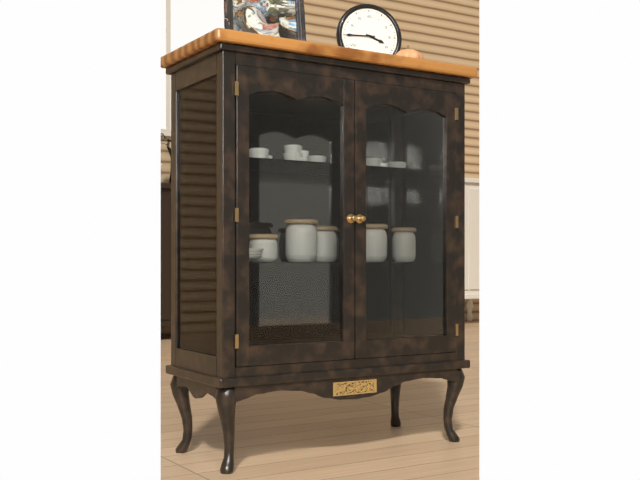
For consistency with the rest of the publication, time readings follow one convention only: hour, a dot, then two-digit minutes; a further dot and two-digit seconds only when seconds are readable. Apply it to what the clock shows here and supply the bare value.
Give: 3.45
